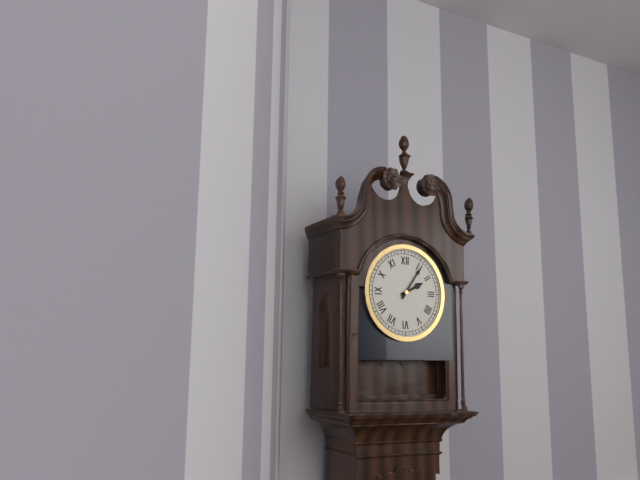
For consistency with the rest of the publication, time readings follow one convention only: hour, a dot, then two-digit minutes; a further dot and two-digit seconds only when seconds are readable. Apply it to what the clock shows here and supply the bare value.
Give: 2.06
